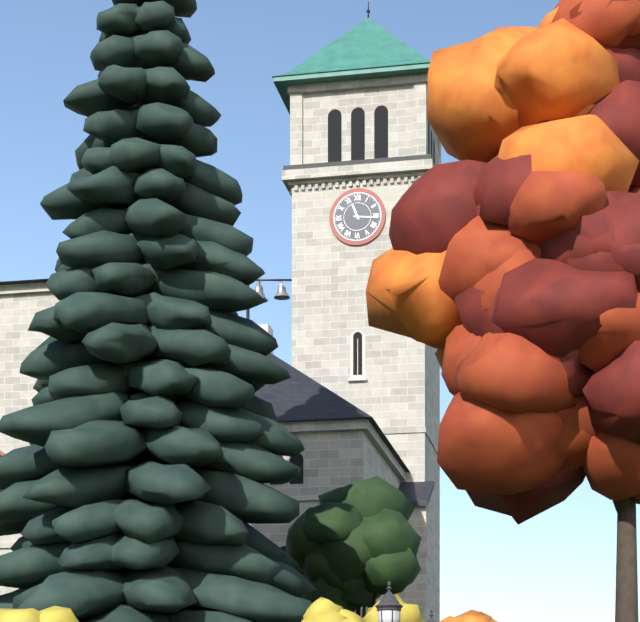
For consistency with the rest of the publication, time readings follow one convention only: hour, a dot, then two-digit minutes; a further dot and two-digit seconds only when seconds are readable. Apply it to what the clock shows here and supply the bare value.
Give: 11.16
